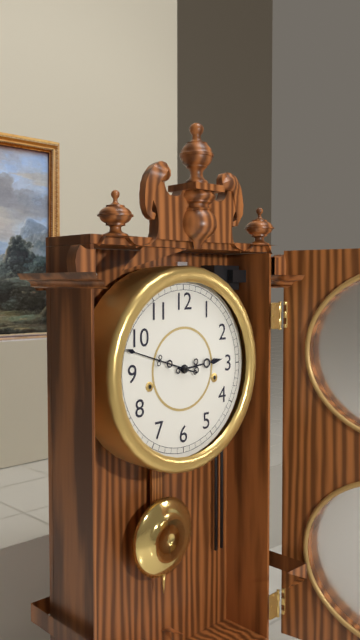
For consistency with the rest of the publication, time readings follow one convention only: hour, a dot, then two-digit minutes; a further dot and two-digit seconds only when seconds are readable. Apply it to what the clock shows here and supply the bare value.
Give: 2.48
